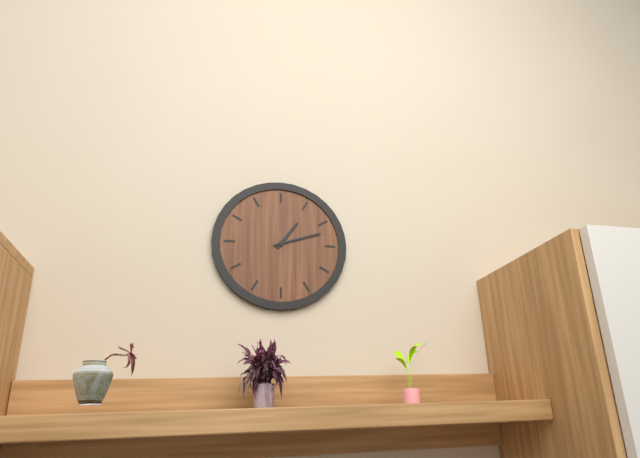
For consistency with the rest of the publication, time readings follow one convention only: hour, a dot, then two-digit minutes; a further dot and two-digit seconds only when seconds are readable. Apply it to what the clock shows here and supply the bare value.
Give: 1.12
